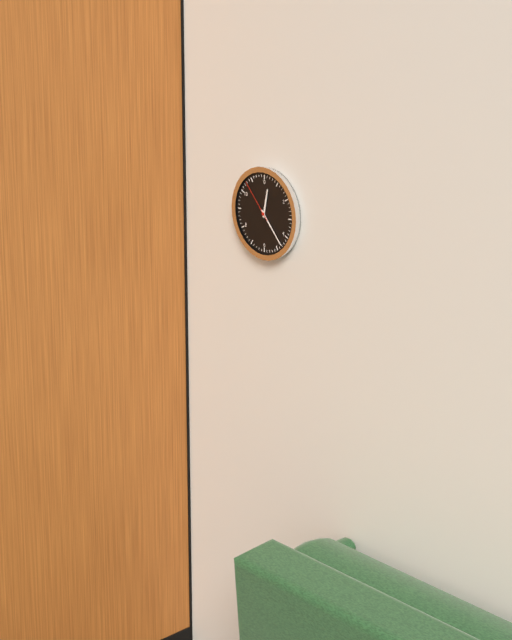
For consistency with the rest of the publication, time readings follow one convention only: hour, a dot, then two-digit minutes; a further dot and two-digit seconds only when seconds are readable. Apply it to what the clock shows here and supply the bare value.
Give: 12.23
